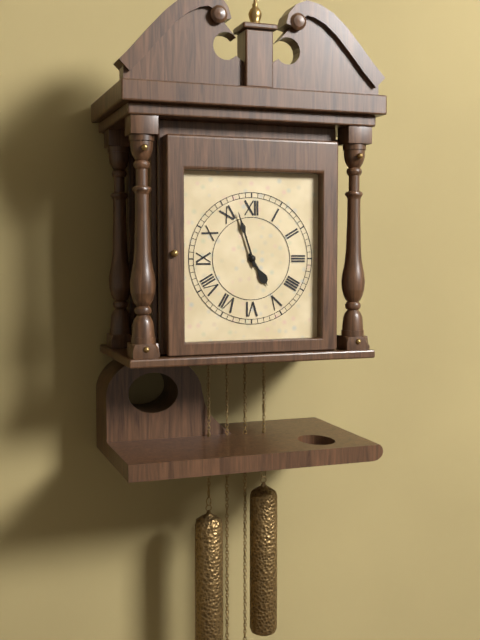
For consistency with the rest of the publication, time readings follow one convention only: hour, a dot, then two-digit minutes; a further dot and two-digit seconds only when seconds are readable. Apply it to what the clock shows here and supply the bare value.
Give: 4.57
